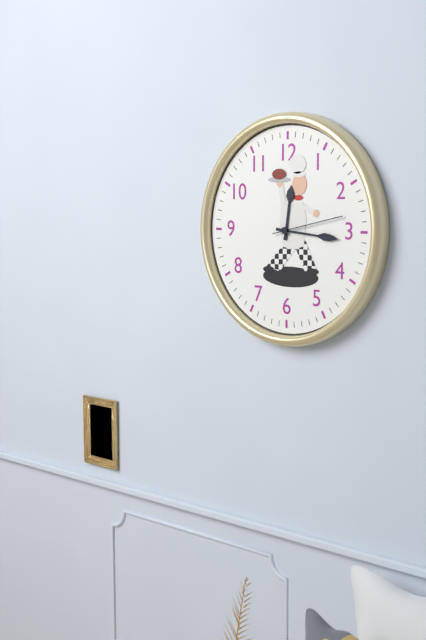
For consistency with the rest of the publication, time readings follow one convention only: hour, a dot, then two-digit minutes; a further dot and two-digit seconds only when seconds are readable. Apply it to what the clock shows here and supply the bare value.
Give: 12.16.13
